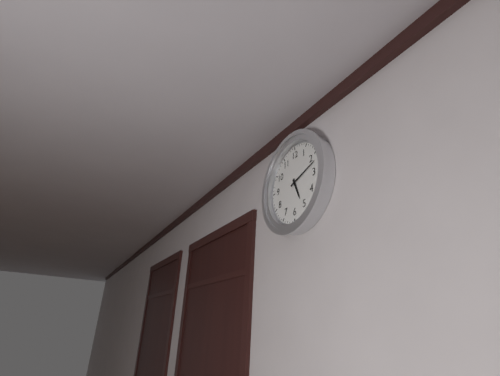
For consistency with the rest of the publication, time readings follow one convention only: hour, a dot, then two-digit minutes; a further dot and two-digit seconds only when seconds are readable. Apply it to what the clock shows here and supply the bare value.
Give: 5.12
